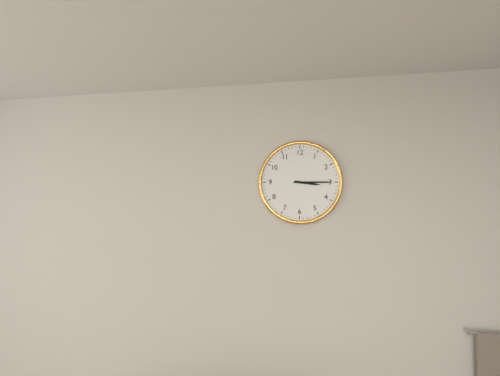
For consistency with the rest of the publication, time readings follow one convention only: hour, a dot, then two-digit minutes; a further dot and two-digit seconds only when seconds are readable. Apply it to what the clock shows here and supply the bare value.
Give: 3.15
